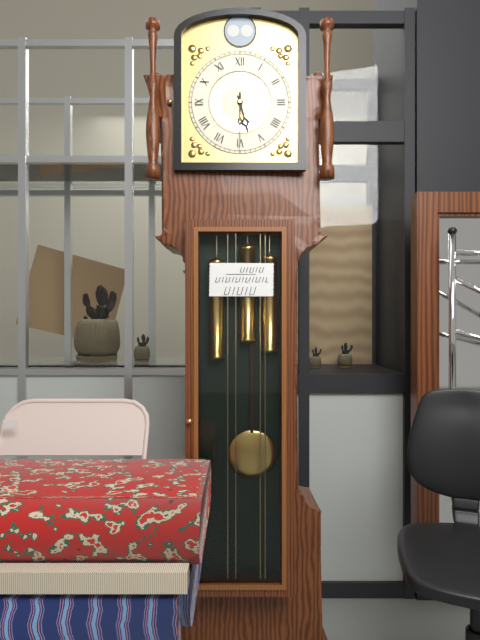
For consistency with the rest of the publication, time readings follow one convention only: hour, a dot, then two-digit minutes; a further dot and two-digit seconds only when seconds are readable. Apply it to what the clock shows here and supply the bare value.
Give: 5.30
